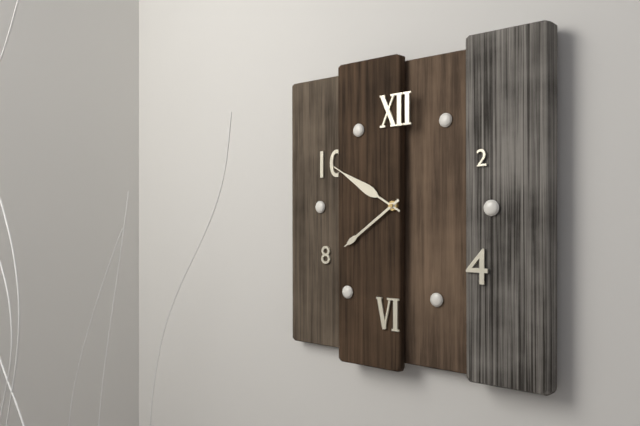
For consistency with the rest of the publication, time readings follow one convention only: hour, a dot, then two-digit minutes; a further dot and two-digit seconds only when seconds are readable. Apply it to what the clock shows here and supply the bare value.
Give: 7.50
